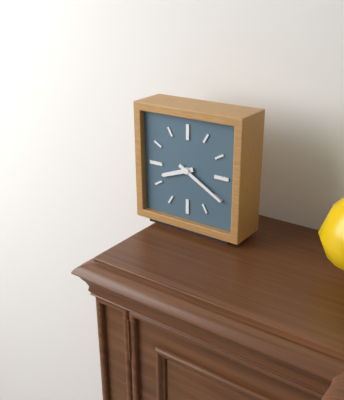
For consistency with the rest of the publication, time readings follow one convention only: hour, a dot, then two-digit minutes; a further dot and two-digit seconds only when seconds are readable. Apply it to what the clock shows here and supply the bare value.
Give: 8.20
